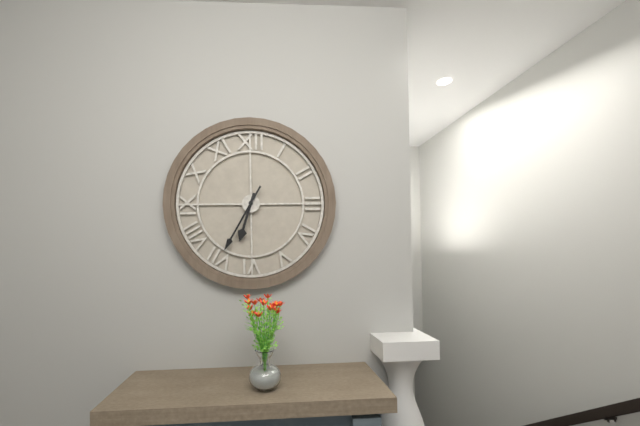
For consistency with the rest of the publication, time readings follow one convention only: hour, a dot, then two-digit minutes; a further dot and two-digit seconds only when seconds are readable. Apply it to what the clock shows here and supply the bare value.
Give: 6.35
